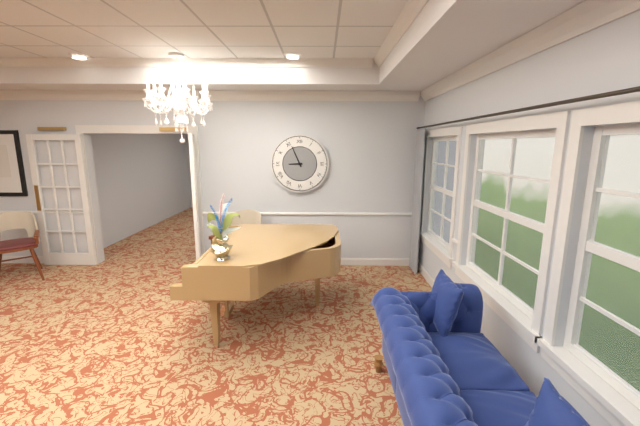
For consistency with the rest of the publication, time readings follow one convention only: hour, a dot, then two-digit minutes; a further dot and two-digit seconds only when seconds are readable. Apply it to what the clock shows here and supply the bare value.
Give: 8.56
